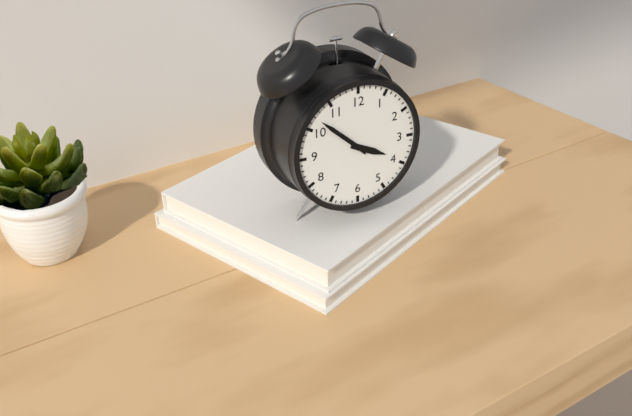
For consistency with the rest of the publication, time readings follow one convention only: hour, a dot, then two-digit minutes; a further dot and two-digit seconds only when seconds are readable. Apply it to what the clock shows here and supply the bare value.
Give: 3.52
